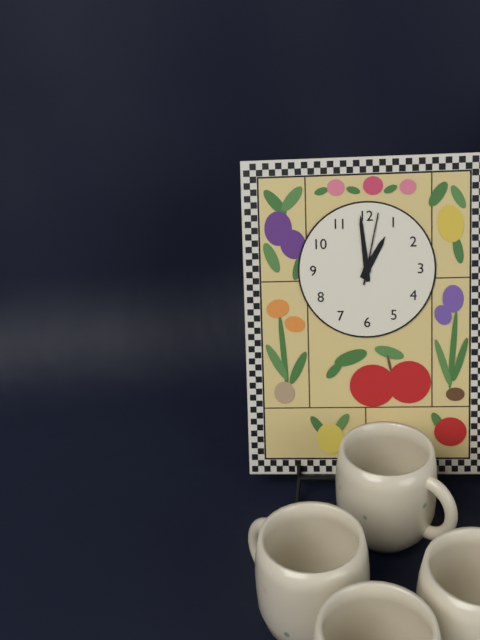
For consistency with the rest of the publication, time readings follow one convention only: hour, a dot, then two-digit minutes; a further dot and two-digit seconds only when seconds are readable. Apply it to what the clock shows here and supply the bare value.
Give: 12.59.02
